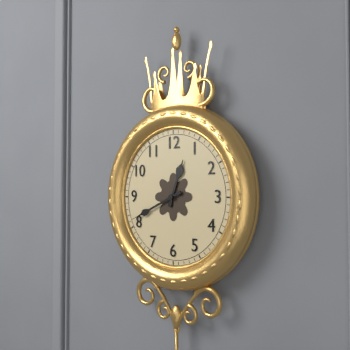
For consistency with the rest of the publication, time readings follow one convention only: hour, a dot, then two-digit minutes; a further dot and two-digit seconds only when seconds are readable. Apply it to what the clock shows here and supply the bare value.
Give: 12.41
